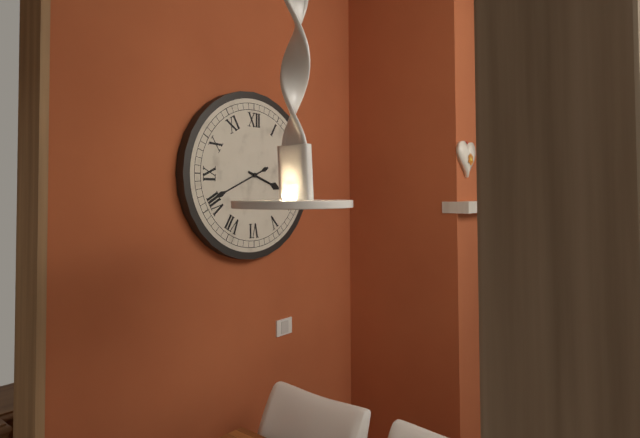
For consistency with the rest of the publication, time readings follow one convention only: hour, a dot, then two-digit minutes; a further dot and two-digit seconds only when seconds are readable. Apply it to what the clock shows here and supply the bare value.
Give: 3.41
